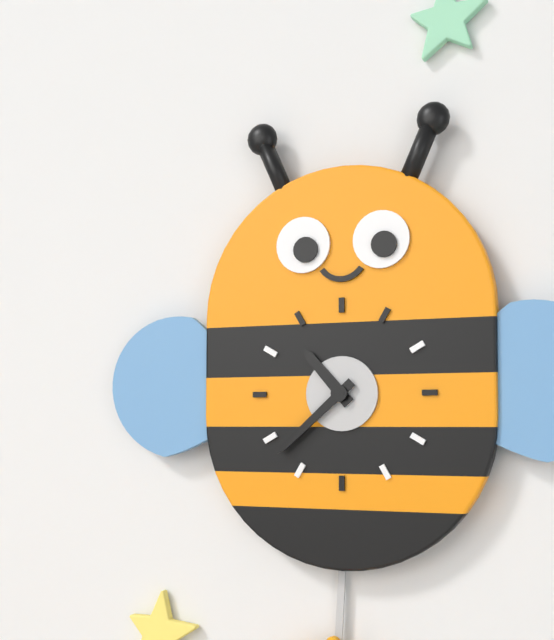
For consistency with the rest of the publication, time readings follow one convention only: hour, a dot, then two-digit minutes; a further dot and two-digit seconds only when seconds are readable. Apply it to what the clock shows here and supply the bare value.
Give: 10.38
